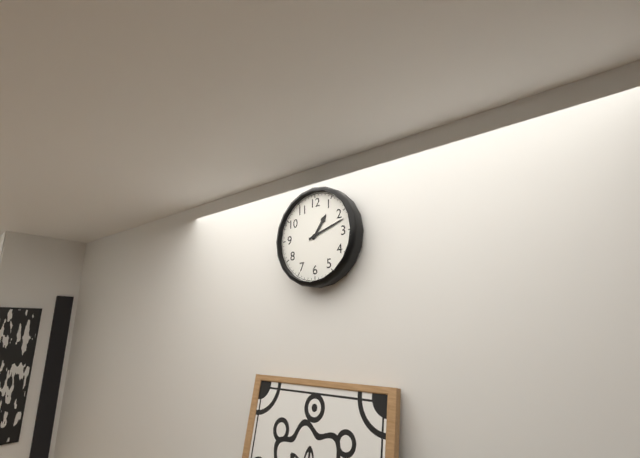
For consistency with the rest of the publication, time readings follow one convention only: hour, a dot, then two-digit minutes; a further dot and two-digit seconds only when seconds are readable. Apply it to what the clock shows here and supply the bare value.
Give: 1.12
